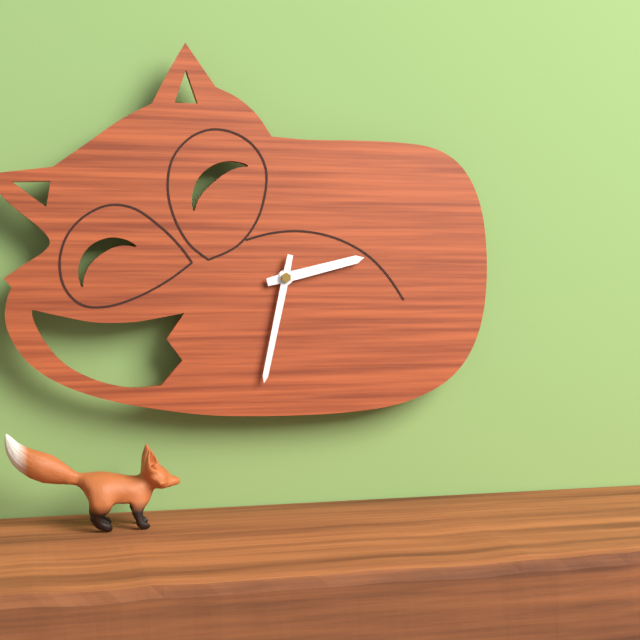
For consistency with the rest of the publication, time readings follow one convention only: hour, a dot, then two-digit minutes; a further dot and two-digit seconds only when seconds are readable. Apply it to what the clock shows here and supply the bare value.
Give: 2.32
